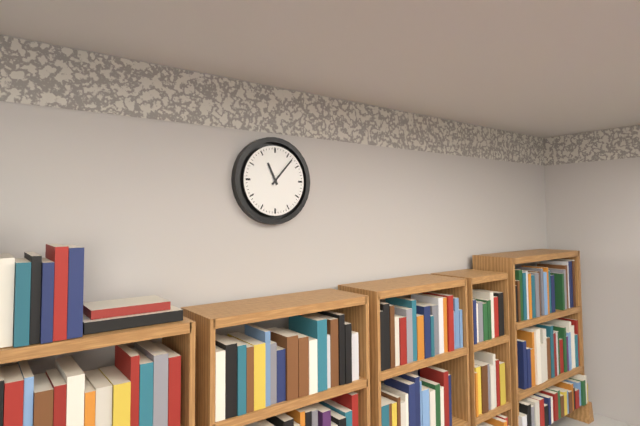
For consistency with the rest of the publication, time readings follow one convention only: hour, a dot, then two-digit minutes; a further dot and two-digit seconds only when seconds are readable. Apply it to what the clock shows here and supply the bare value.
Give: 11.07
